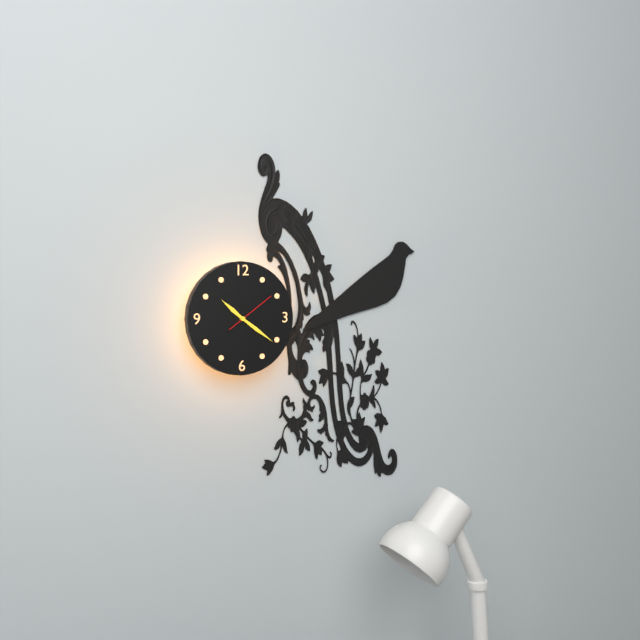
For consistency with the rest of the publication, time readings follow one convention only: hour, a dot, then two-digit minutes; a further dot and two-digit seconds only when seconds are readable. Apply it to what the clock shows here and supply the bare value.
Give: 10.21.09
